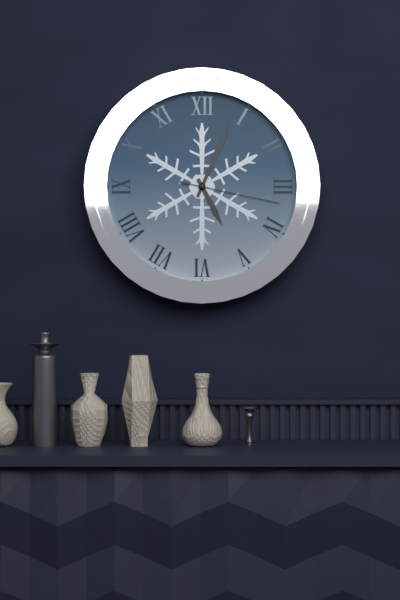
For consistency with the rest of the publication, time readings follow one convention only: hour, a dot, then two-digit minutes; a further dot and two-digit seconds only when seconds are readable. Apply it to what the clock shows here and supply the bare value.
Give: 5.04.17
